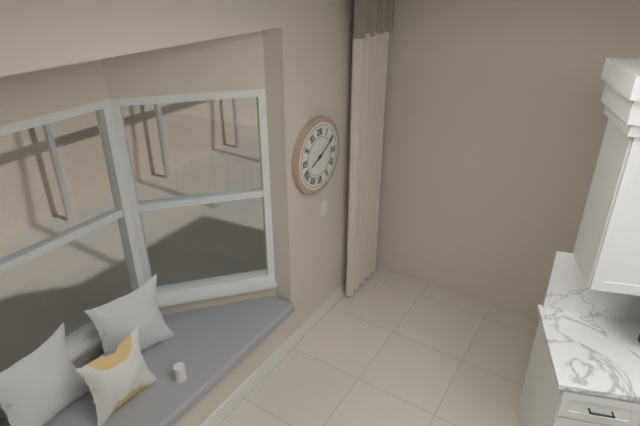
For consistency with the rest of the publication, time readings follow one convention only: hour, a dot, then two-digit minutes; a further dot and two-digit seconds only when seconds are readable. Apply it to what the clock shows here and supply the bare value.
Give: 8.10
